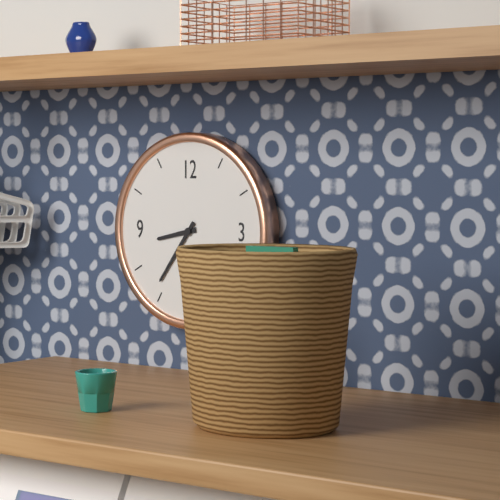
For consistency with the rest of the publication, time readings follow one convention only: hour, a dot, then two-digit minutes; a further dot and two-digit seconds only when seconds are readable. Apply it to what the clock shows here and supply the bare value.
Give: 8.36
